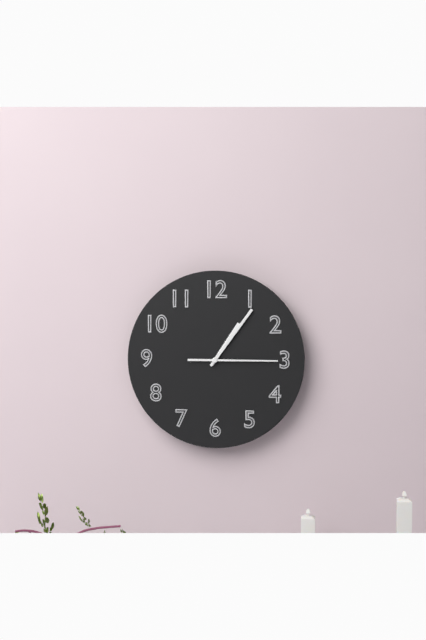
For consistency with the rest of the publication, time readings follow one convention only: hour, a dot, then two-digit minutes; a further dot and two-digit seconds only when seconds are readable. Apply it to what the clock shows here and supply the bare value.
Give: 1.06.15
